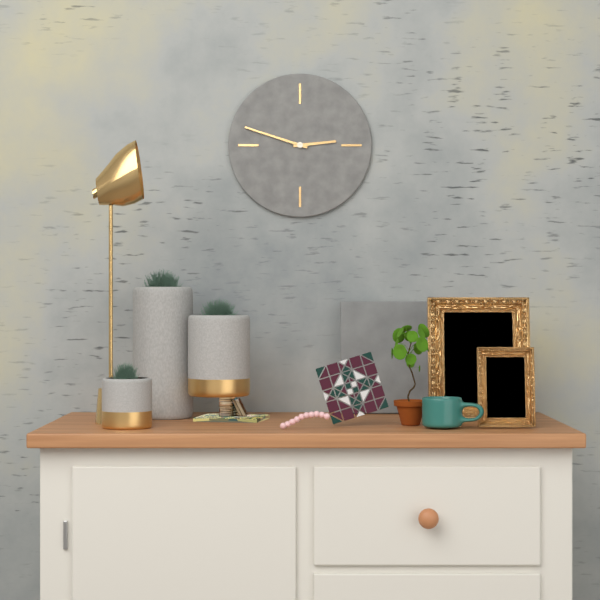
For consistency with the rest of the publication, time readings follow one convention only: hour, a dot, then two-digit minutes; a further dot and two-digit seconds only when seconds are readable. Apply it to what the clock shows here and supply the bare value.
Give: 2.48
